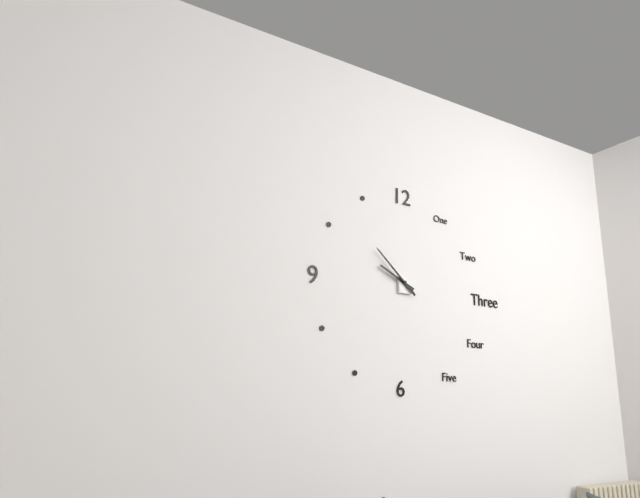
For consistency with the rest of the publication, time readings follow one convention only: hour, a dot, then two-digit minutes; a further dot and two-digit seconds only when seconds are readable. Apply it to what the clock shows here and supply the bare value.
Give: 9.52
